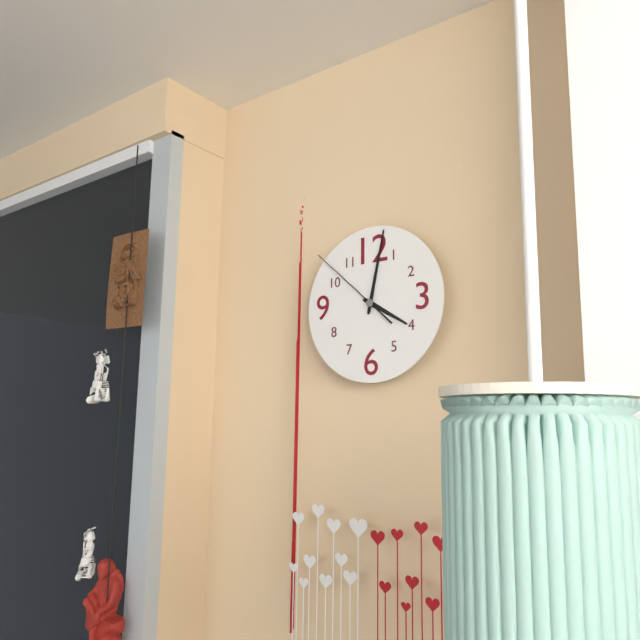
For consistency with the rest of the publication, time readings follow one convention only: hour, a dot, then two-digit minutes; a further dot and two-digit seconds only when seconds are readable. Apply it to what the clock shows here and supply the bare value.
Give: 4.02.52
